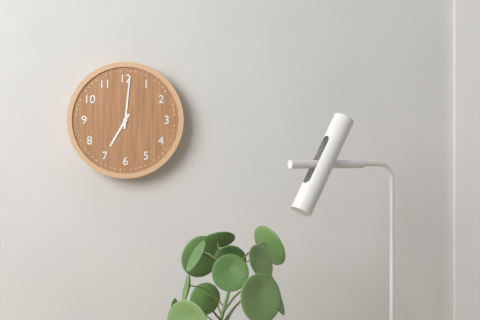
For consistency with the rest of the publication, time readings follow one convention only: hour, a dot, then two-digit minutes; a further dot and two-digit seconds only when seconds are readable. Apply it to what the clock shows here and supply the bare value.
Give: 7.01
